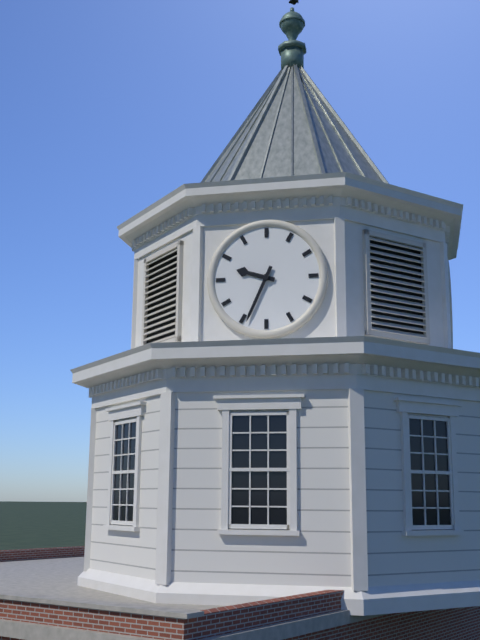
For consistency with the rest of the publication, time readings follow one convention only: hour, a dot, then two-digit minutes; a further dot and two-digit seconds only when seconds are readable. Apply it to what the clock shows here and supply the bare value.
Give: 9.34
